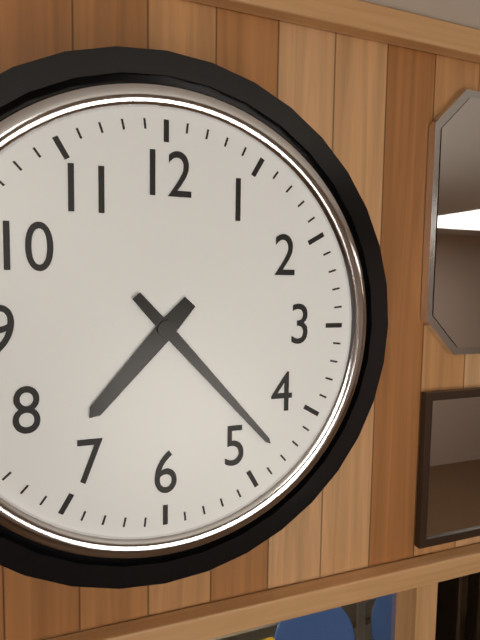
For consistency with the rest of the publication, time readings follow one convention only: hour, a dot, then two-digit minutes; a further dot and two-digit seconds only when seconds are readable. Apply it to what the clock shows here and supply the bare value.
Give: 7.23
